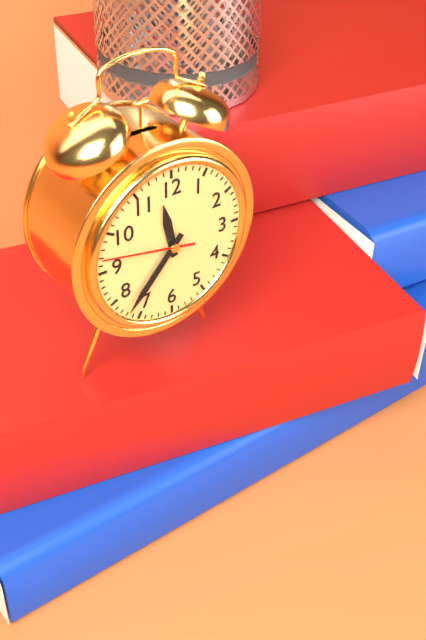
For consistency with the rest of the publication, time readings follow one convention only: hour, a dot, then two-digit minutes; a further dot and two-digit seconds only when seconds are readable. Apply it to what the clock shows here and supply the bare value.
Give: 11.37.47
